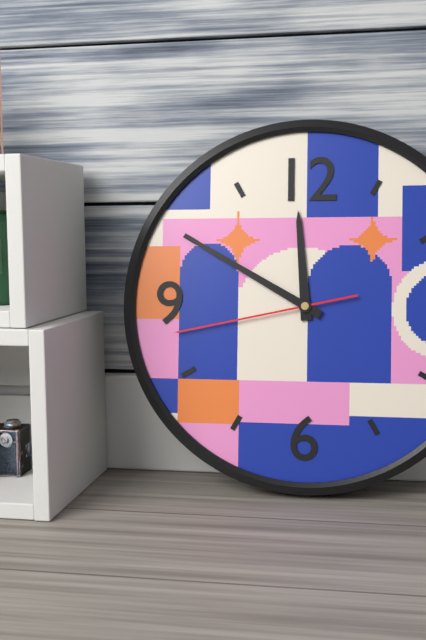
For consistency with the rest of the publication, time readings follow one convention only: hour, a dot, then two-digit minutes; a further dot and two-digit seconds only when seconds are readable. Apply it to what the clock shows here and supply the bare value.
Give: 11.50.43
